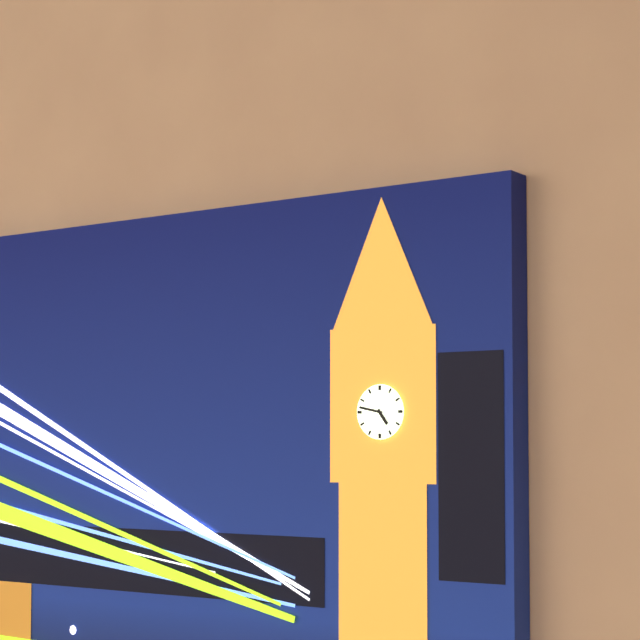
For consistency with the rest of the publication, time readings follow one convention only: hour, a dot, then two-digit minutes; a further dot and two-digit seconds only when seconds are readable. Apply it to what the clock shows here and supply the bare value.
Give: 4.47
